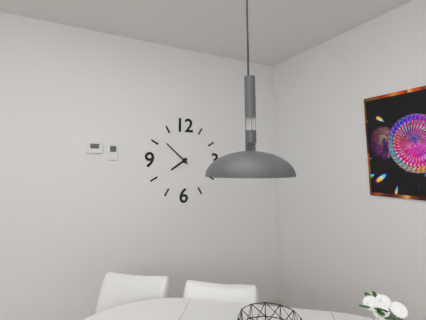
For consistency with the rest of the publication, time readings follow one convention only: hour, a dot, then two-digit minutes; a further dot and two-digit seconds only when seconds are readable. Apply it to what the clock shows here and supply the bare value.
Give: 7.52
